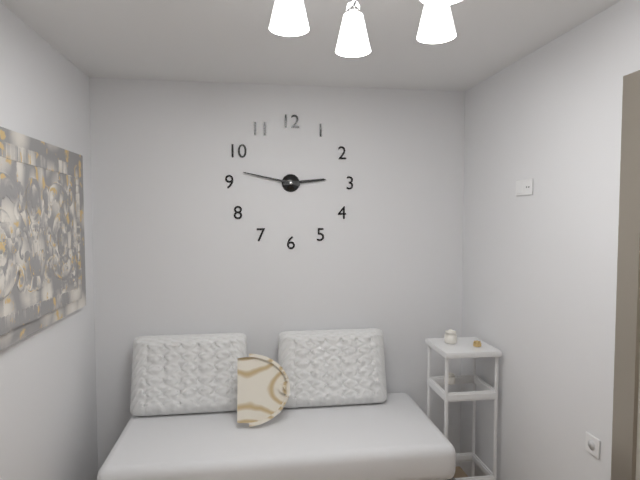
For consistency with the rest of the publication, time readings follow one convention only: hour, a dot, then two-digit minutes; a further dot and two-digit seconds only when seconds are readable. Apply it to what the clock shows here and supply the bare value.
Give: 2.47
